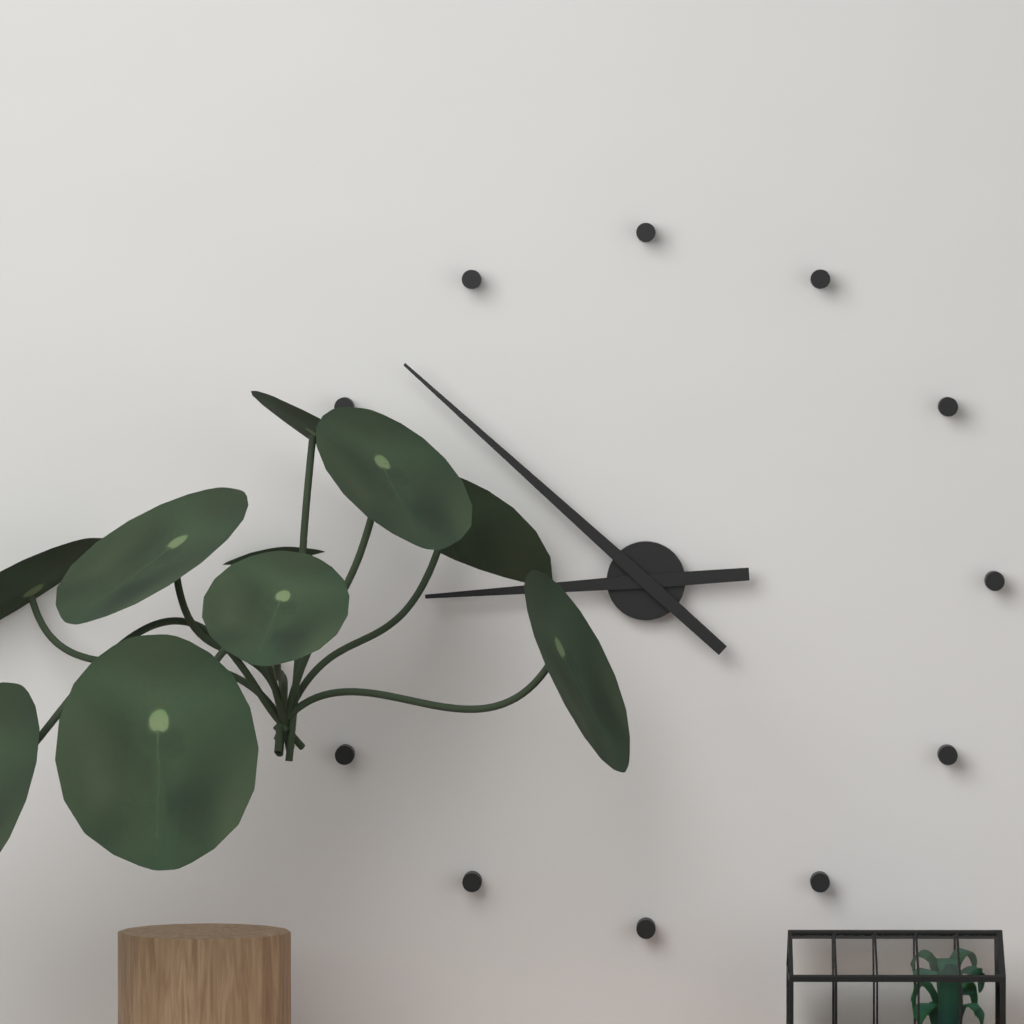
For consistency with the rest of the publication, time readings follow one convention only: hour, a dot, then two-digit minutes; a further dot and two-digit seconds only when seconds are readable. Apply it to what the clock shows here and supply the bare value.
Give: 8.52
